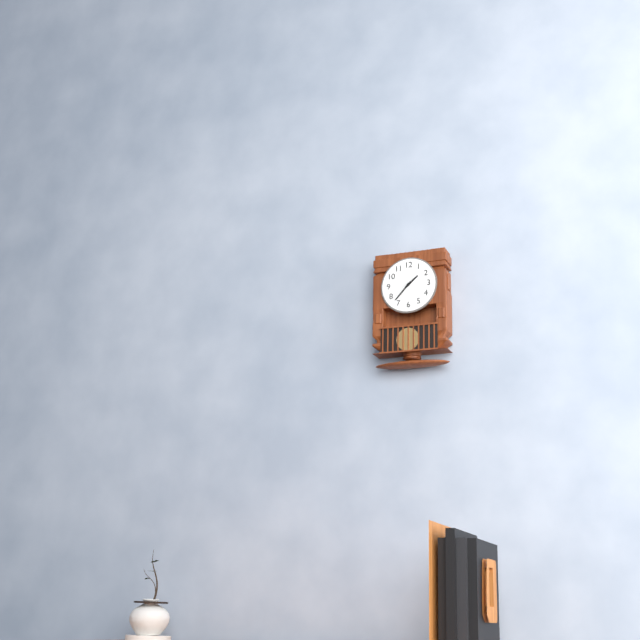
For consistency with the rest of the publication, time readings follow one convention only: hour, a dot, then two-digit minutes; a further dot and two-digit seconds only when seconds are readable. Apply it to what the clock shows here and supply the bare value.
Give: 1.37
